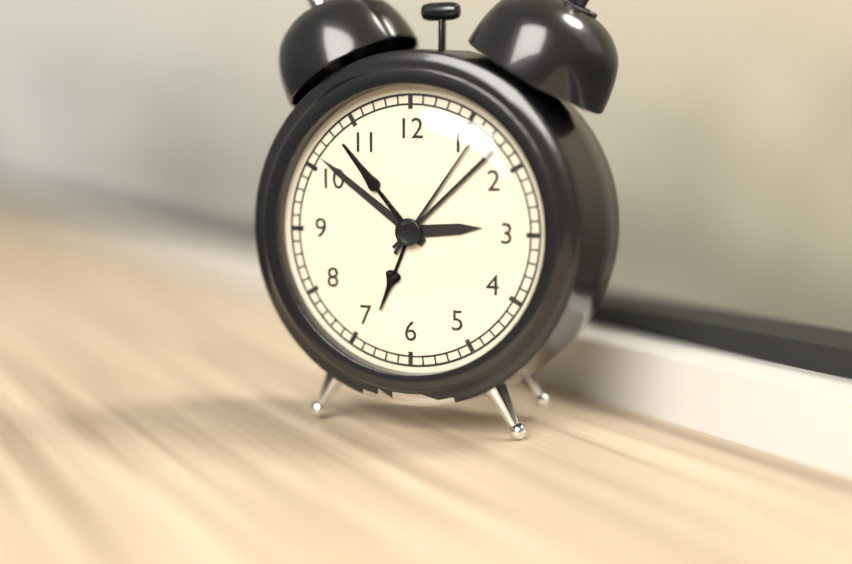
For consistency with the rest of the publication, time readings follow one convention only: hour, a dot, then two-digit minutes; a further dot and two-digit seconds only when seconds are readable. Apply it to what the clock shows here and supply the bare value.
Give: 2.51.06
